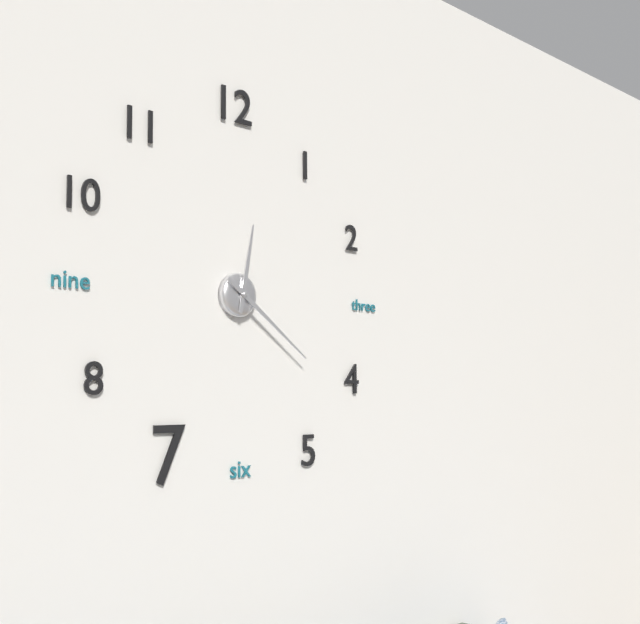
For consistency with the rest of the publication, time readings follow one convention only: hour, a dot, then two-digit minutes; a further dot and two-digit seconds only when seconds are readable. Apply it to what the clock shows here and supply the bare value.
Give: 12.21
